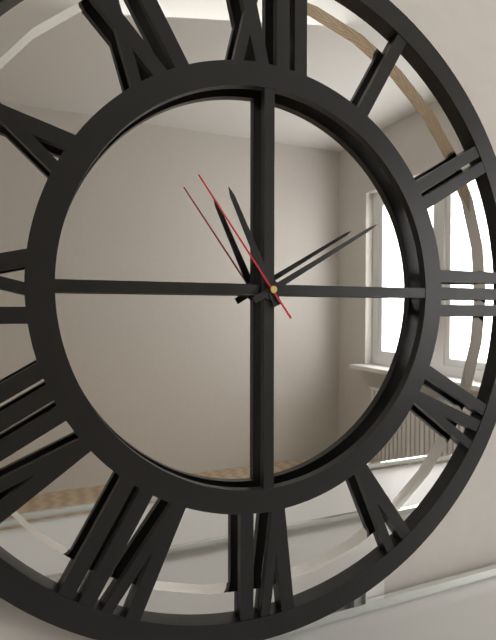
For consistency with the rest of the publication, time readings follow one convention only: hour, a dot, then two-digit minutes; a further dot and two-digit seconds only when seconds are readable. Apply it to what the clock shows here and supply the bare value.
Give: 11.10.54
